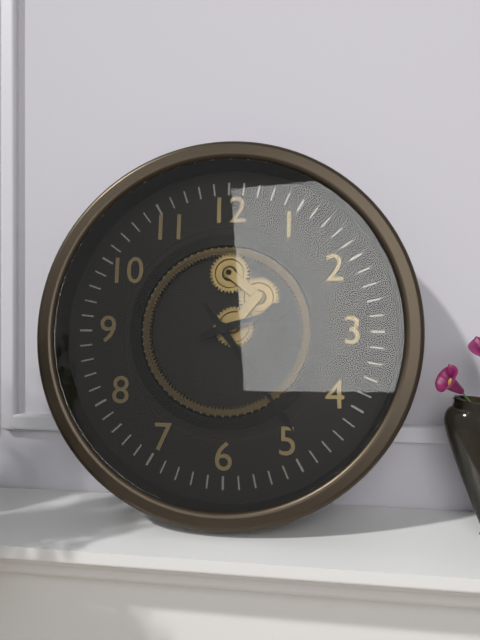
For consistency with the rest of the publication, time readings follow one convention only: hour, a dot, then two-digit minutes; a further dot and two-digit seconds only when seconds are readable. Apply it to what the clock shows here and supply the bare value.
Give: 2.24
